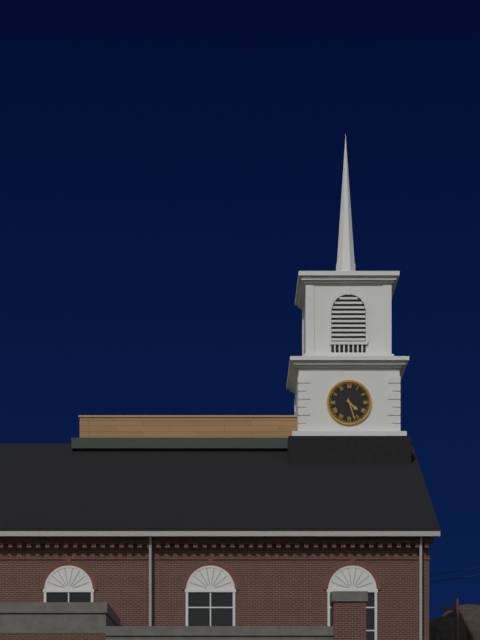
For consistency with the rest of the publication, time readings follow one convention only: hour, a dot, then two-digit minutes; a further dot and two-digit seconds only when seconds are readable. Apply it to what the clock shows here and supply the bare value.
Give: 4.27
